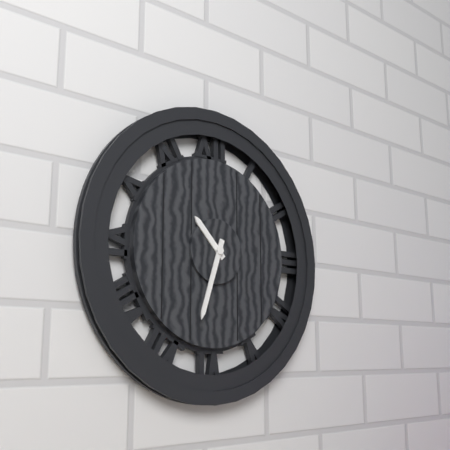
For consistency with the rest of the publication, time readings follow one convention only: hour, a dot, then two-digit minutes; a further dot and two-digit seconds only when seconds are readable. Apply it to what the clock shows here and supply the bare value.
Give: 10.33
